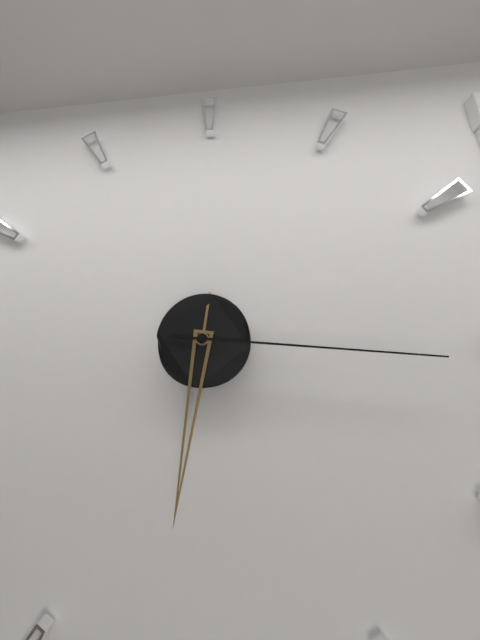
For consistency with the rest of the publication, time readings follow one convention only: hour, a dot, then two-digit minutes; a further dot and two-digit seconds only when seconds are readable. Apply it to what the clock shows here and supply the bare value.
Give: 6.16
